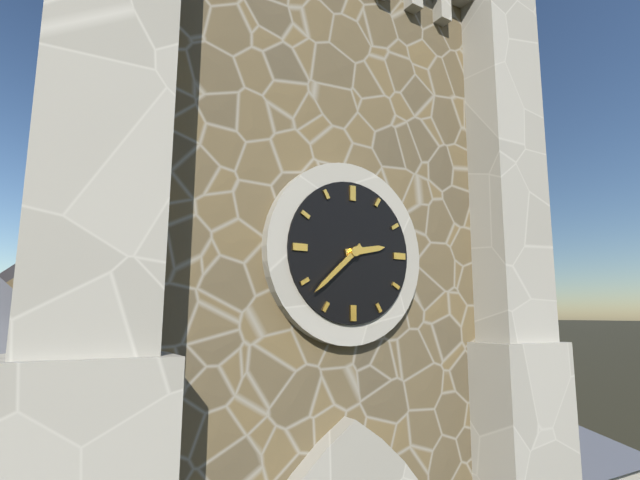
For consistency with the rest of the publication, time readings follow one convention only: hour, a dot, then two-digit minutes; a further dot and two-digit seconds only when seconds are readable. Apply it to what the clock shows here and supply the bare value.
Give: 2.38
